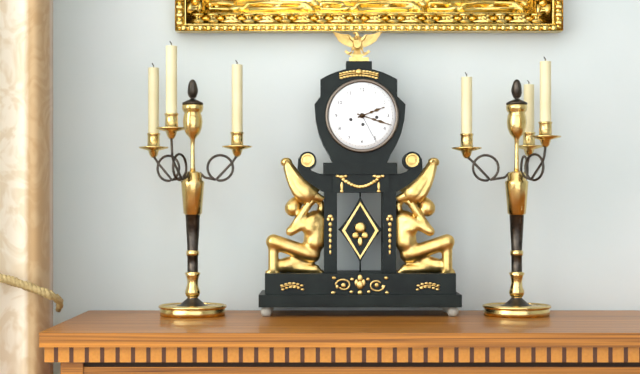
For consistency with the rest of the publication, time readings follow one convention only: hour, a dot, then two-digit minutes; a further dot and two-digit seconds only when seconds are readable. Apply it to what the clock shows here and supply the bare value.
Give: 2.18
